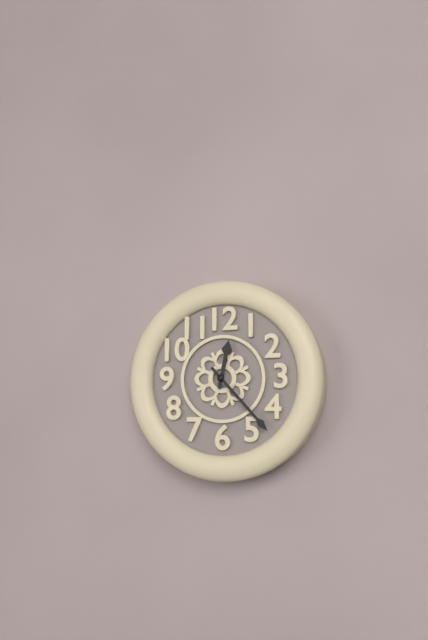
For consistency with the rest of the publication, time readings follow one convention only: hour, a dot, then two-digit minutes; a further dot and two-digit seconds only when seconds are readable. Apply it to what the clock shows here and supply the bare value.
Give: 12.23
